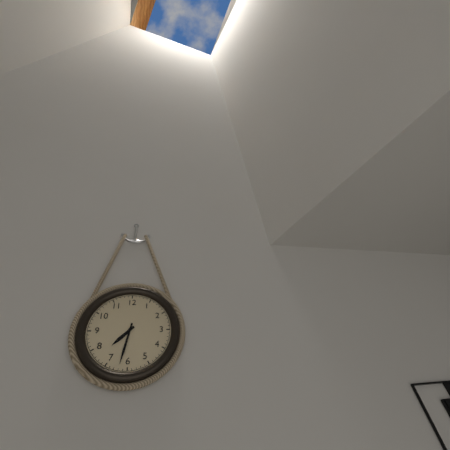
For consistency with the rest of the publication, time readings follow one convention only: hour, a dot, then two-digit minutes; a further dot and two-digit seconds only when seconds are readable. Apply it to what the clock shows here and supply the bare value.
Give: 7.32
